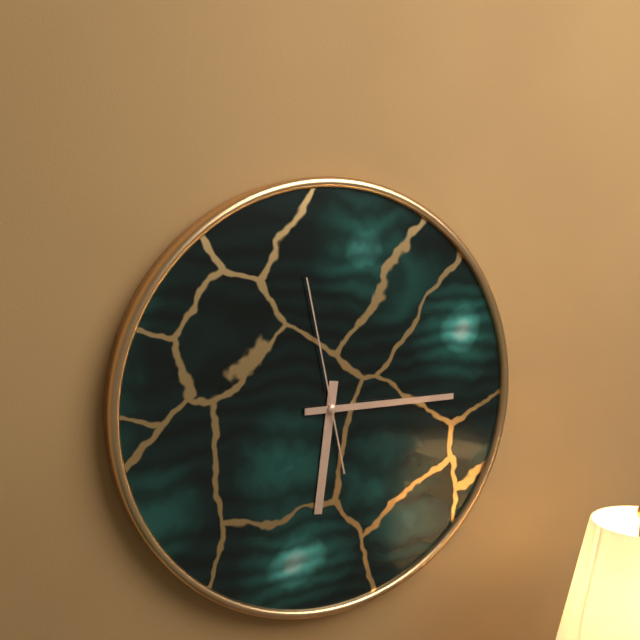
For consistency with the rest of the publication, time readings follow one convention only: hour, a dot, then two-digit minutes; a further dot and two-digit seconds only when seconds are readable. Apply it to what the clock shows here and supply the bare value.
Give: 6.15.58
